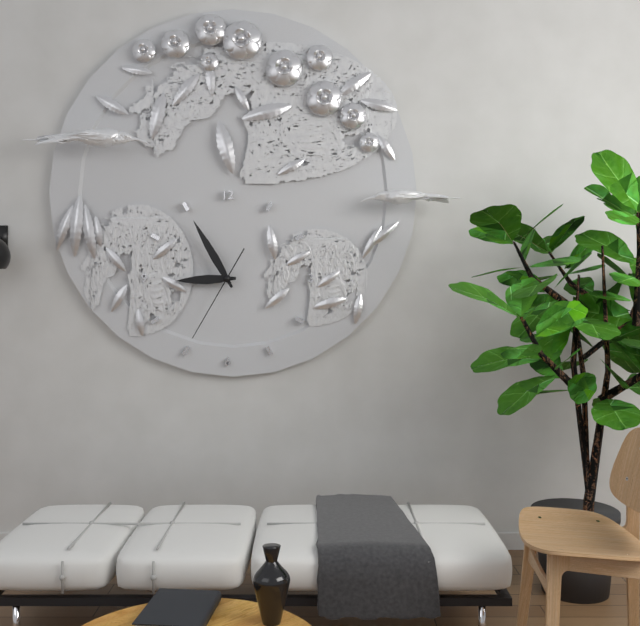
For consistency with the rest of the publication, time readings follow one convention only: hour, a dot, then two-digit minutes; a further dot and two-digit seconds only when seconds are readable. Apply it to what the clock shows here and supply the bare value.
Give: 8.55.35
